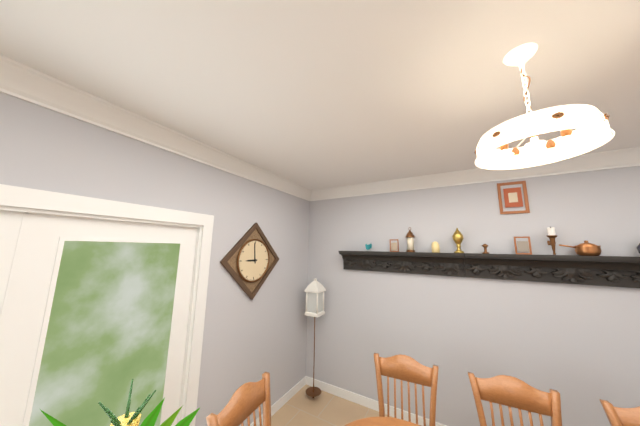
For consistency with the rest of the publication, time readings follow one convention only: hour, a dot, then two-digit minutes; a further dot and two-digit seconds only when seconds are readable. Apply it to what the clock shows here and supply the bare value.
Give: 8.59
